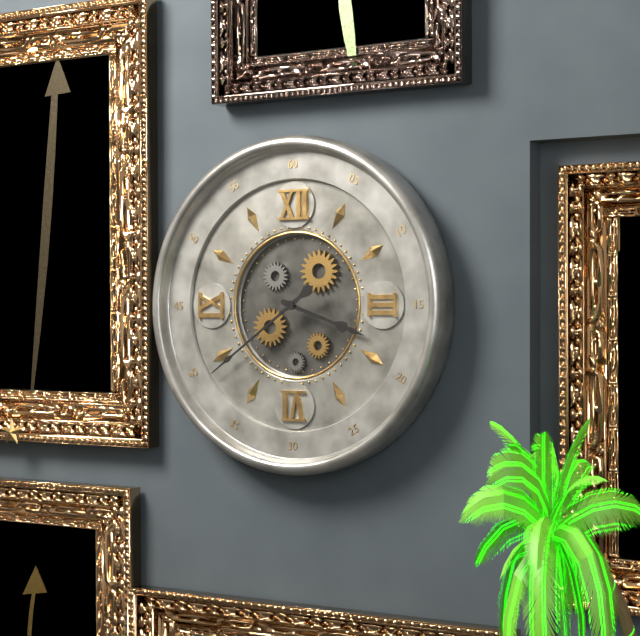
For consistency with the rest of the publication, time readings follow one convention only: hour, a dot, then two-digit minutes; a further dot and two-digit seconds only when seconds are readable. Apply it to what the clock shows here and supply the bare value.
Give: 3.39
